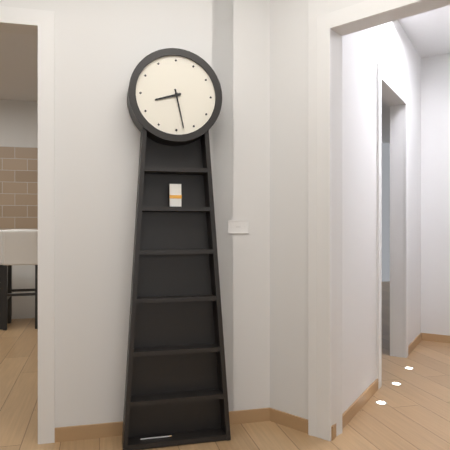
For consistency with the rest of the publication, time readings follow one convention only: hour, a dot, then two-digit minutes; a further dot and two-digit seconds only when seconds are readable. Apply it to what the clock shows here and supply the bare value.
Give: 8.28
